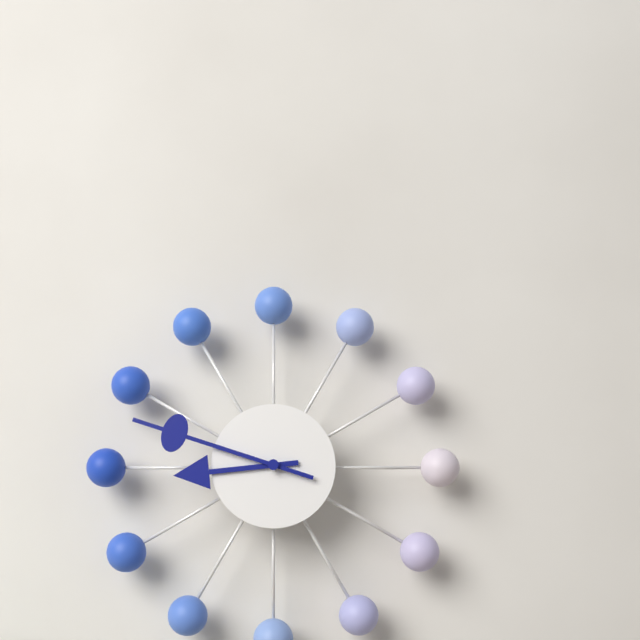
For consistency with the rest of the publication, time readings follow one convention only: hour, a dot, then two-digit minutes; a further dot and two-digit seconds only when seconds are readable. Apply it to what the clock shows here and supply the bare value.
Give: 8.48
